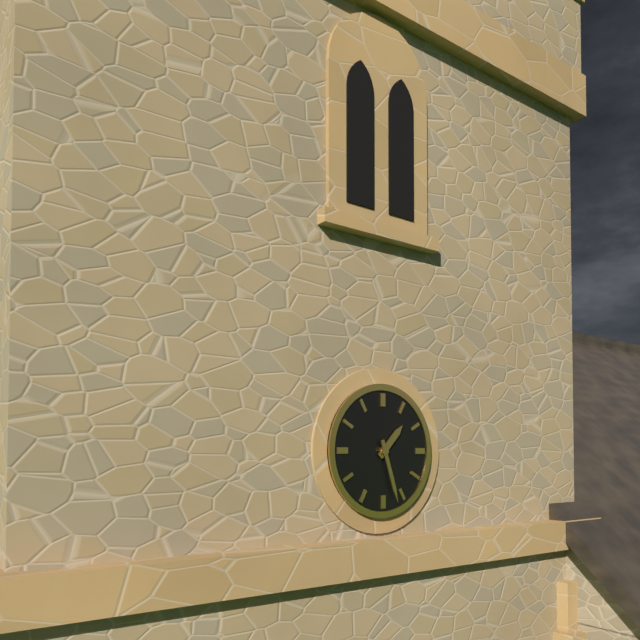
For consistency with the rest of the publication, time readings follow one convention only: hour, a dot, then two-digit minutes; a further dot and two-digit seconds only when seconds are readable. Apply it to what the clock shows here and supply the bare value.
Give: 1.27
